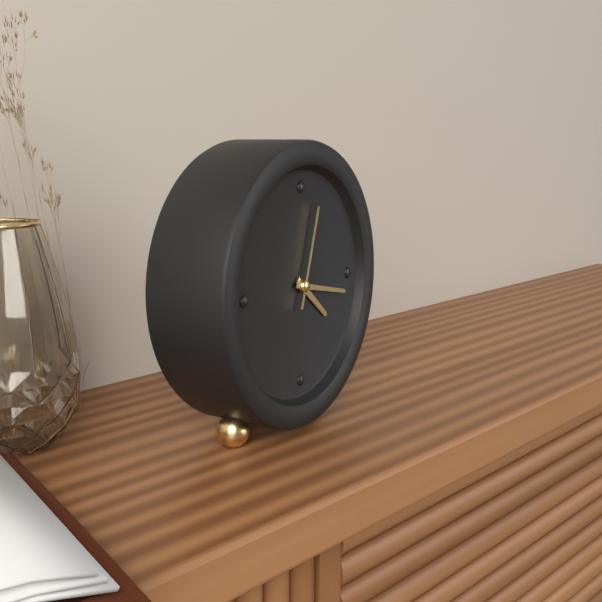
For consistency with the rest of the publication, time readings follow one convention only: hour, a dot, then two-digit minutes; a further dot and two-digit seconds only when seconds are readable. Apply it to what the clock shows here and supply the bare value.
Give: 4.17.03
